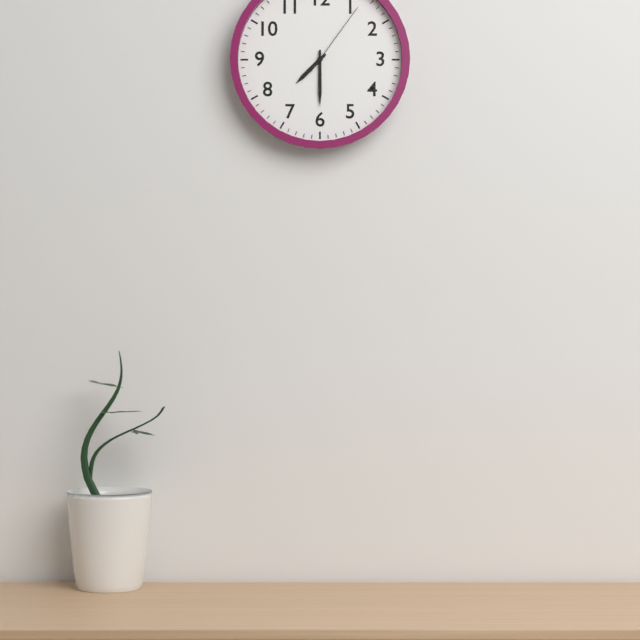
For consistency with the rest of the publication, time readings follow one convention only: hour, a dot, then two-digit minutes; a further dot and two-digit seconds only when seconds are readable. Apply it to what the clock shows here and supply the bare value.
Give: 7.30.06
